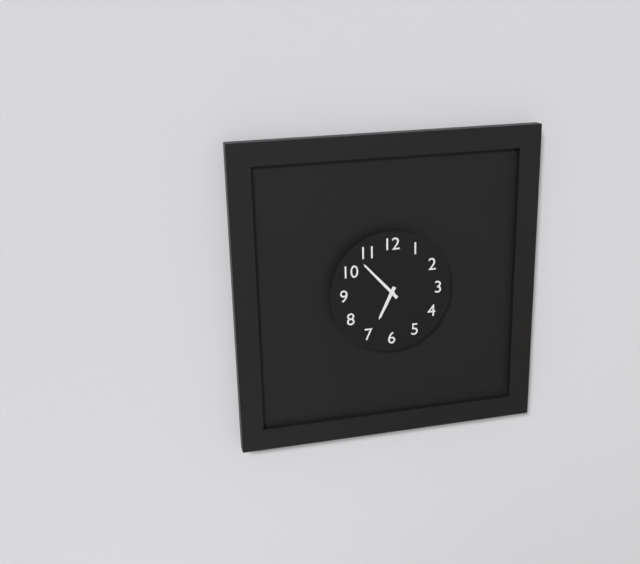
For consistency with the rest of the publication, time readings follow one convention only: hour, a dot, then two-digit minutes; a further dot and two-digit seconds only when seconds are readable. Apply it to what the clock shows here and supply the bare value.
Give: 6.53
